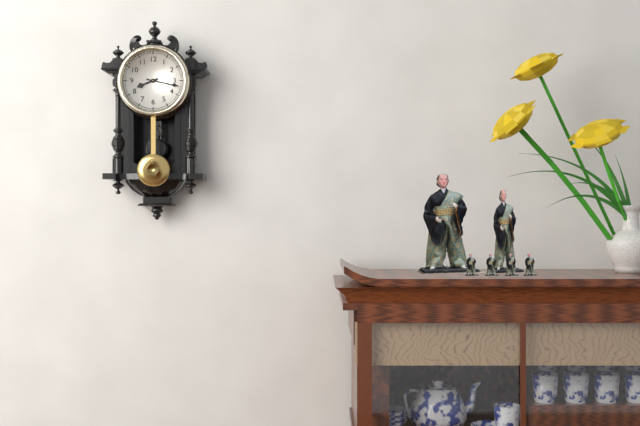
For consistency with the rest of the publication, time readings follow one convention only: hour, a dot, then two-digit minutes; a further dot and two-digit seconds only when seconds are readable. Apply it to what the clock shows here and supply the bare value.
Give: 8.17
